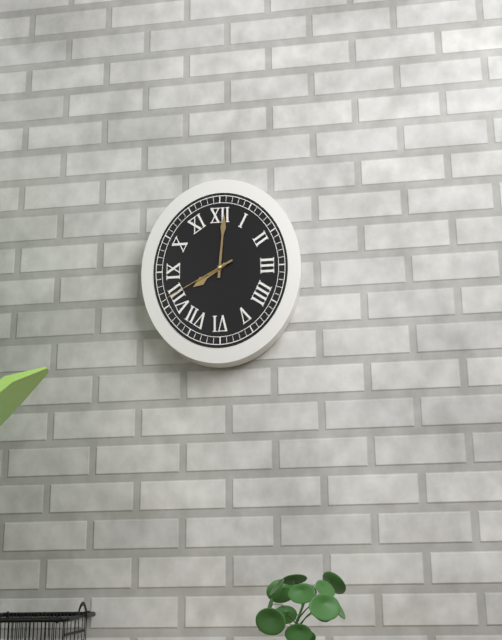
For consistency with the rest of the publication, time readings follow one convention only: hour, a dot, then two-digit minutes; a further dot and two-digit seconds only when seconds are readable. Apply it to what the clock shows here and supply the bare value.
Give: 8.01.41
